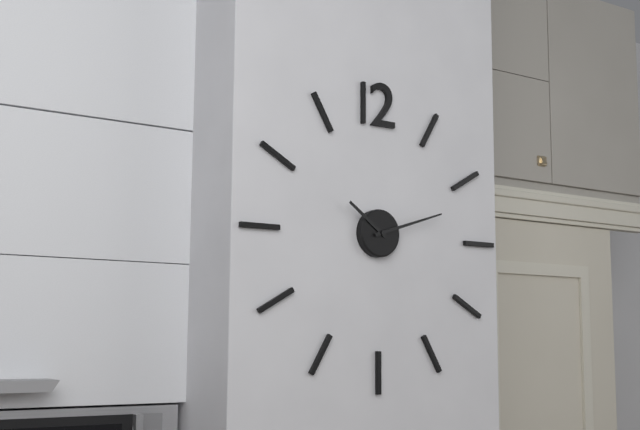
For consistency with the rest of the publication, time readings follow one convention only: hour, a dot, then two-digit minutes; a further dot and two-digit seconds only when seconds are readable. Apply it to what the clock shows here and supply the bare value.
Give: 10.12
